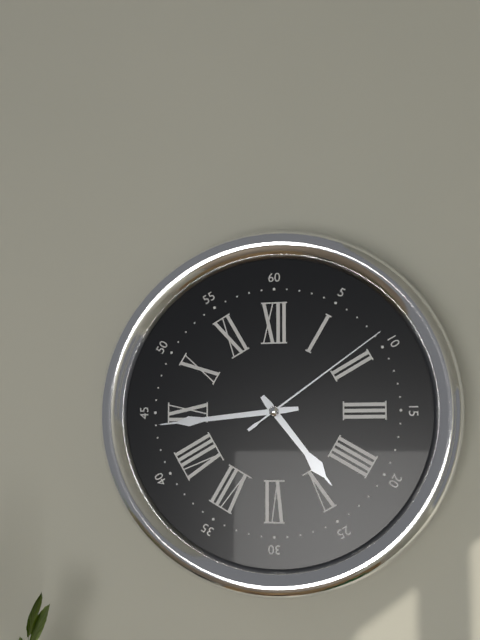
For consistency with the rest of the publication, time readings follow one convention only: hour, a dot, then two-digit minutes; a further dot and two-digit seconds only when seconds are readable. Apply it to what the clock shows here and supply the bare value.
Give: 4.44.09
